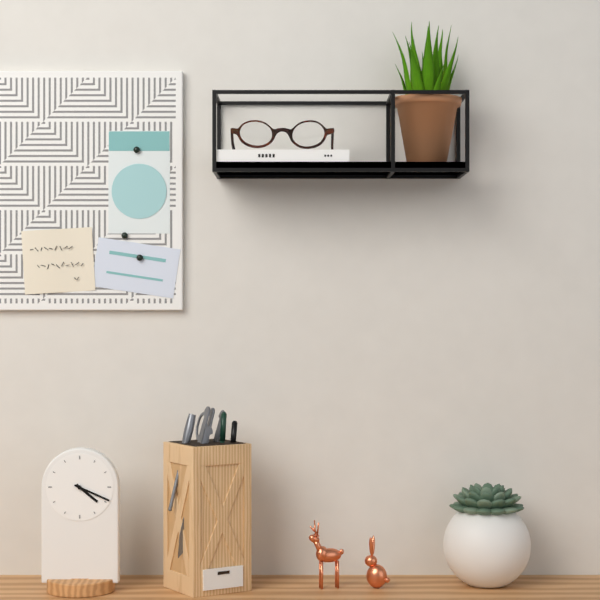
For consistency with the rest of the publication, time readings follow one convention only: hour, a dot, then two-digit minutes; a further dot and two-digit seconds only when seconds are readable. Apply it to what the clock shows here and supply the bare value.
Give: 4.19
